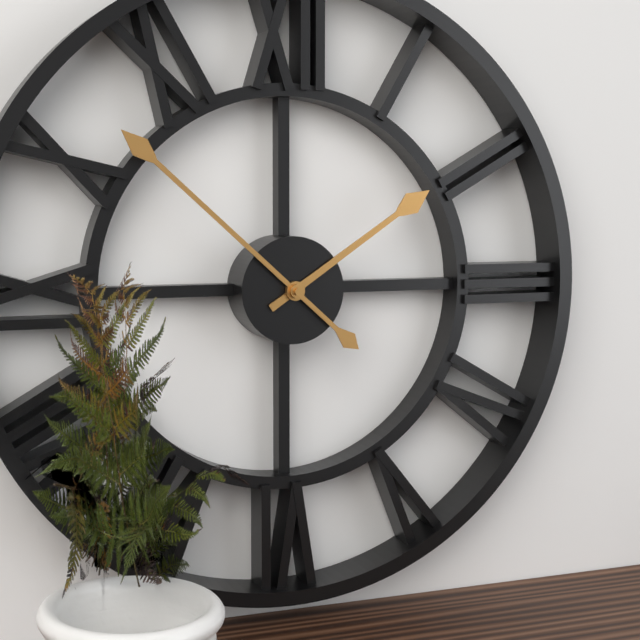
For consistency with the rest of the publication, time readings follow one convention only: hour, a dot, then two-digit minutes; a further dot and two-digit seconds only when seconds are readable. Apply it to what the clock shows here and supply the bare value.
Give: 1.52
